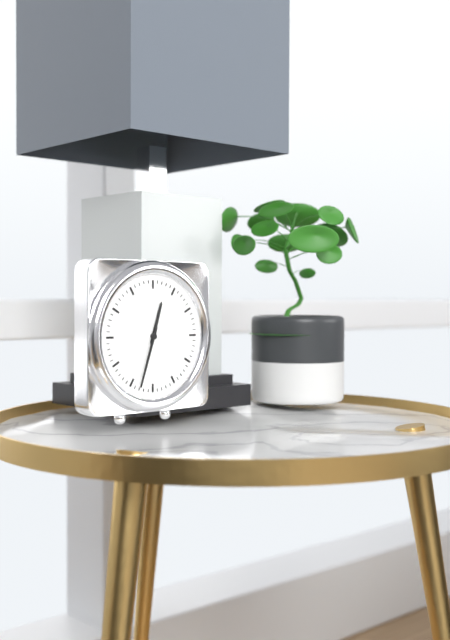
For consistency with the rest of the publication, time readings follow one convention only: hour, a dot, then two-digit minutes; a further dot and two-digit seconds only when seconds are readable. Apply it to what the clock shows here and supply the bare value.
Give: 12.33
